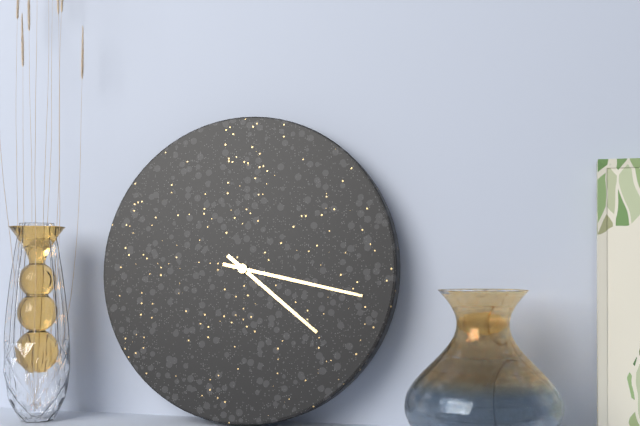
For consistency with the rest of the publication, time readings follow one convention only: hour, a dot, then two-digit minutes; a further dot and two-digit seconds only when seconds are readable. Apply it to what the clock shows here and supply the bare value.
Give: 4.17
